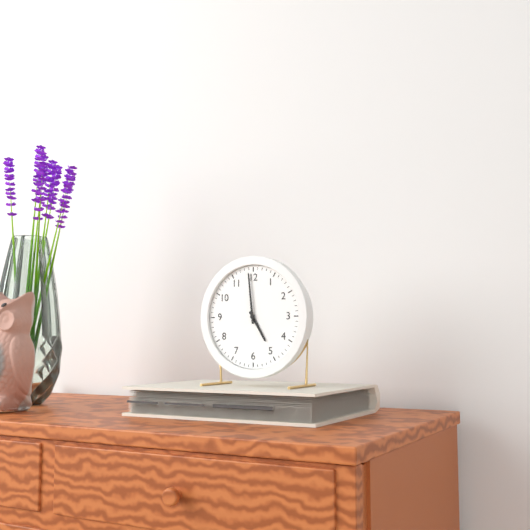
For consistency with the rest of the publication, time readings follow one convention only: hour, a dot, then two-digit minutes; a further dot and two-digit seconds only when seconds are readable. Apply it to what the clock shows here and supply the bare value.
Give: 4.59
